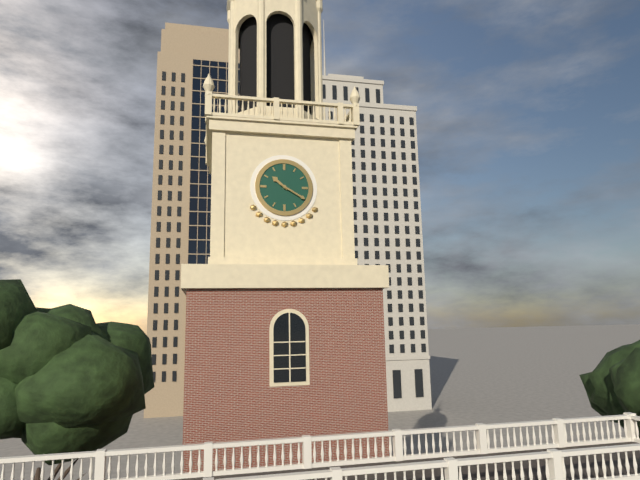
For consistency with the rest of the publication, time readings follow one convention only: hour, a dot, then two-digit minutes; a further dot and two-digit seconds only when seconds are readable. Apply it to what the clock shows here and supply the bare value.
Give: 10.20
